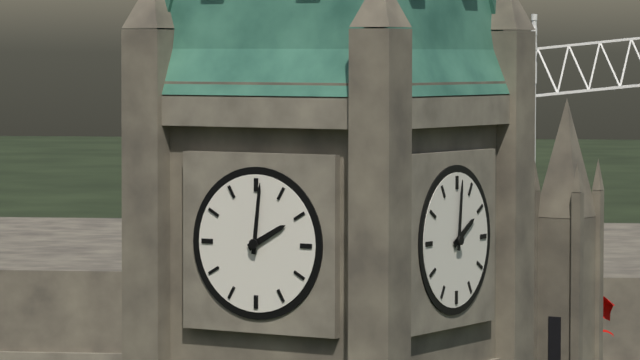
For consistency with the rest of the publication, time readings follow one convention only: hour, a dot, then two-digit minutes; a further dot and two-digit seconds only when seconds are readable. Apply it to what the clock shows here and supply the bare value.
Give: 2.01
